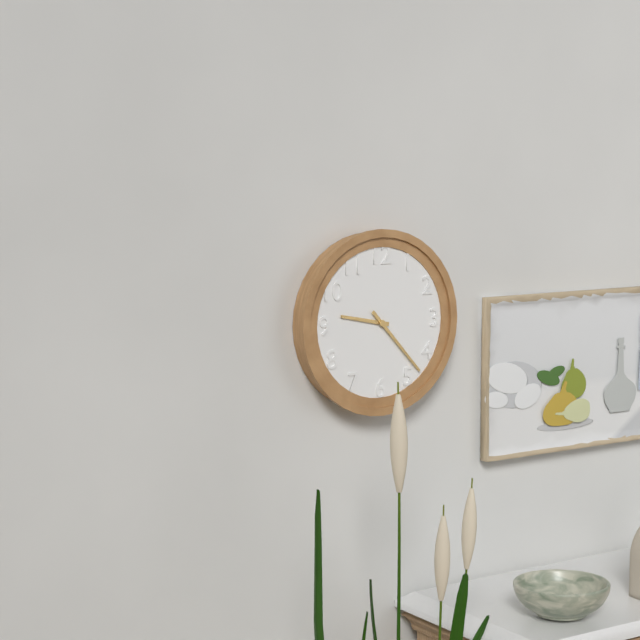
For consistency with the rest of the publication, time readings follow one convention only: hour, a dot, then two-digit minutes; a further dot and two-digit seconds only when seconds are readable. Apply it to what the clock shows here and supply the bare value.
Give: 9.23
